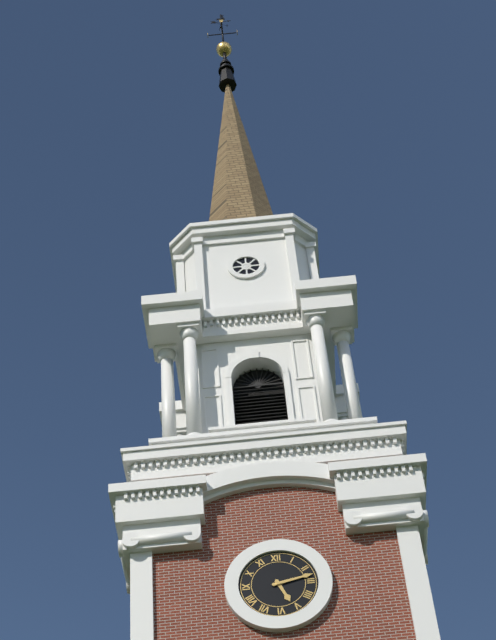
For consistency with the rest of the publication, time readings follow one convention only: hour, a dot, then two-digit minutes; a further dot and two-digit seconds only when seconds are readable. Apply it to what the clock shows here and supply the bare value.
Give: 5.13
